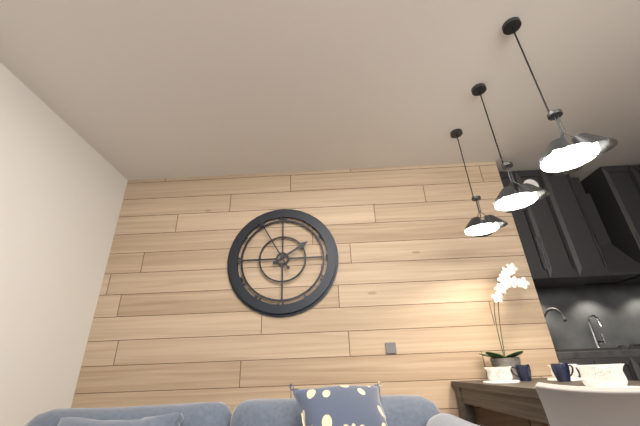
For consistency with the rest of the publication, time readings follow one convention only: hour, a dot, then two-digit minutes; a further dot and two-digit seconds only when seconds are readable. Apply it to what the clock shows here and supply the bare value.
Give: 1.55
